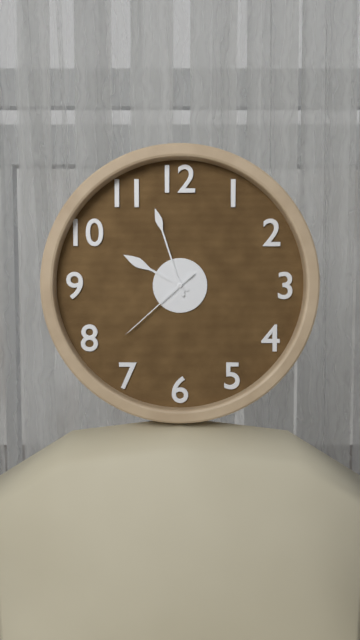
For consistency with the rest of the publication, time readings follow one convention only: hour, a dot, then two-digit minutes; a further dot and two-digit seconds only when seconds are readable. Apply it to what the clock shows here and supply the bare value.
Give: 9.57.38
